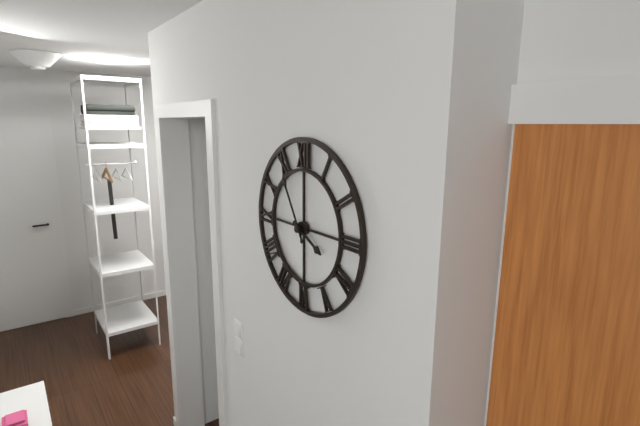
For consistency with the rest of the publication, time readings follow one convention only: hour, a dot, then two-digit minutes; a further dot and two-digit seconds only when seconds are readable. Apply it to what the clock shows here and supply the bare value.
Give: 3.55
